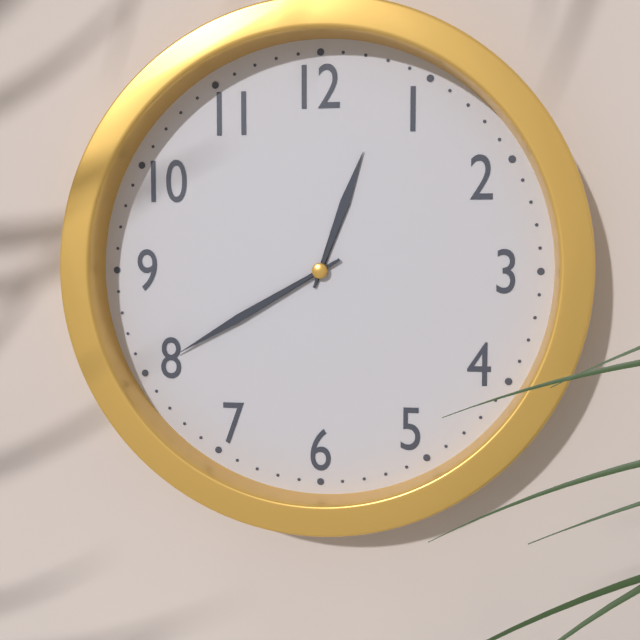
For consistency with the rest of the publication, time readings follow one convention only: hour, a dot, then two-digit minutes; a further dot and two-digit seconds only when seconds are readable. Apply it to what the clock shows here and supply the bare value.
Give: 12.40
